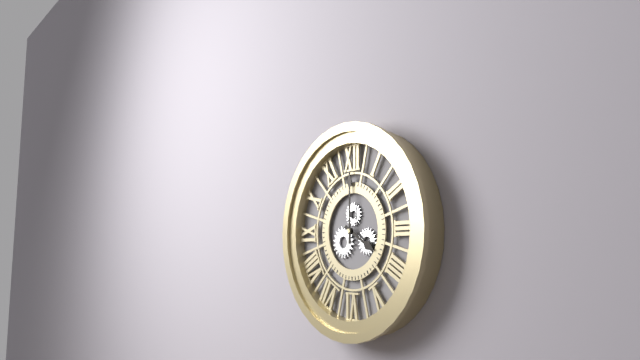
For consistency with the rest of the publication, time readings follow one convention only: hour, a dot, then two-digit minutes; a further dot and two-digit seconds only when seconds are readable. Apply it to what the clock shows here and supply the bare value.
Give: 4.00
